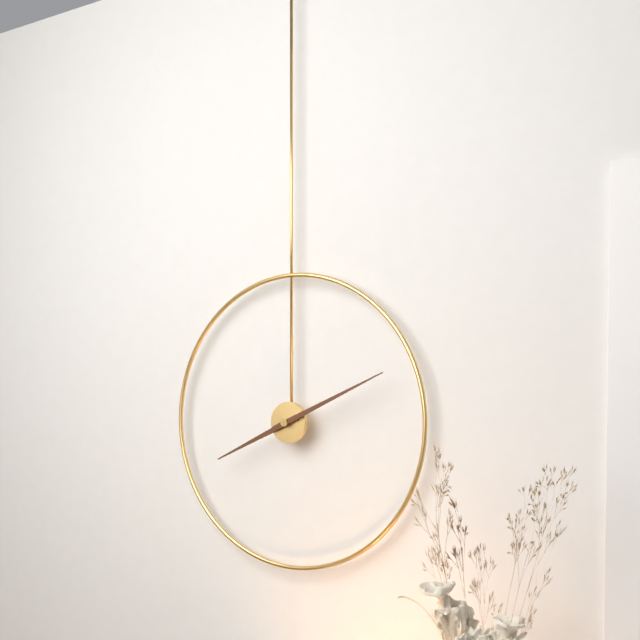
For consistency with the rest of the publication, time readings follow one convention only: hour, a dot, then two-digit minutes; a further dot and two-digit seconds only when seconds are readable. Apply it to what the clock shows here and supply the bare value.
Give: 8.11
